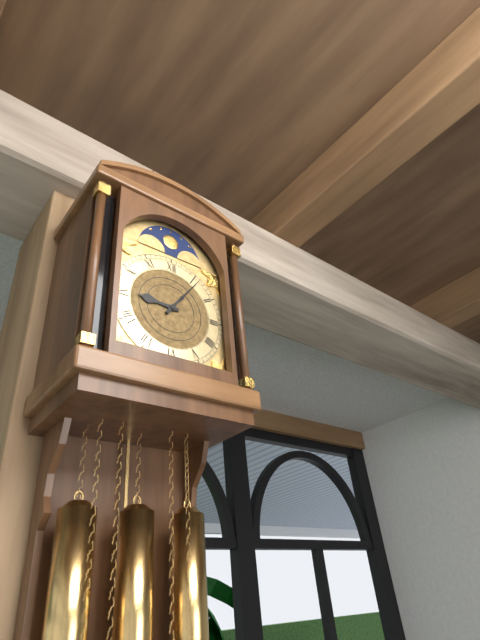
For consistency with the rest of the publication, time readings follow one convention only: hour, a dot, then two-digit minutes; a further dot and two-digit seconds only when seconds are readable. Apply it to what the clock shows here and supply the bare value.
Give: 9.06
